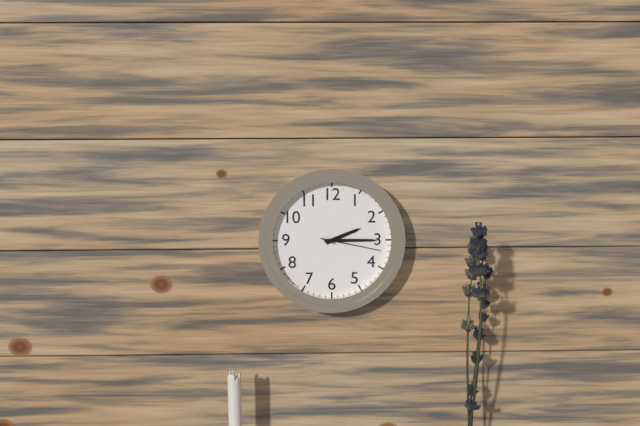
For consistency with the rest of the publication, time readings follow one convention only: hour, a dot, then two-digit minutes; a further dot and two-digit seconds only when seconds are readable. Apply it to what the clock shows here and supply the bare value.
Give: 2.15.17
